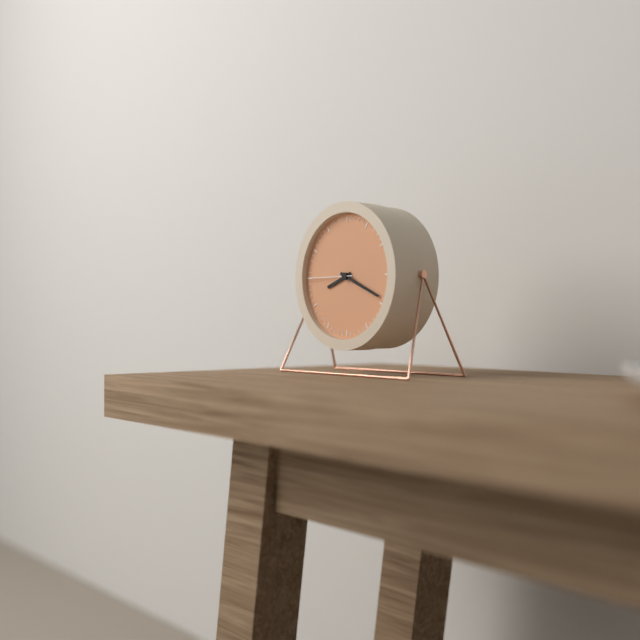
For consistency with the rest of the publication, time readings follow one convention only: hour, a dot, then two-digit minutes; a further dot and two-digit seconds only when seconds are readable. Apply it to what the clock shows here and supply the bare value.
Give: 8.19
